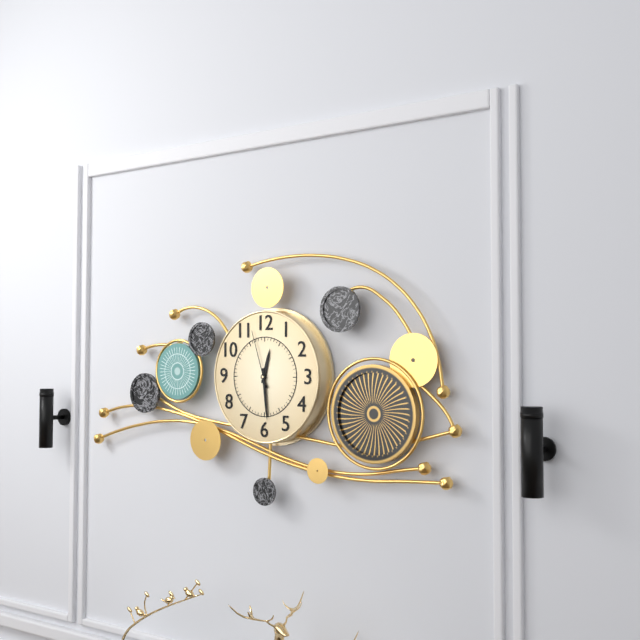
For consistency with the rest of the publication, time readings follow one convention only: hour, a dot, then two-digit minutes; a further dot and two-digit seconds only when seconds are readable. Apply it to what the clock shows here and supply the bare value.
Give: 12.29.57
